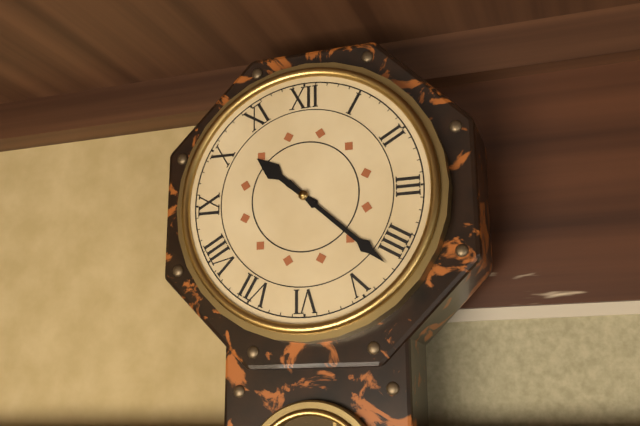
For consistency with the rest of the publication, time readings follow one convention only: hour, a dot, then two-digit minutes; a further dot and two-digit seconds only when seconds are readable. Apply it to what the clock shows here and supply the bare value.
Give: 10.22
